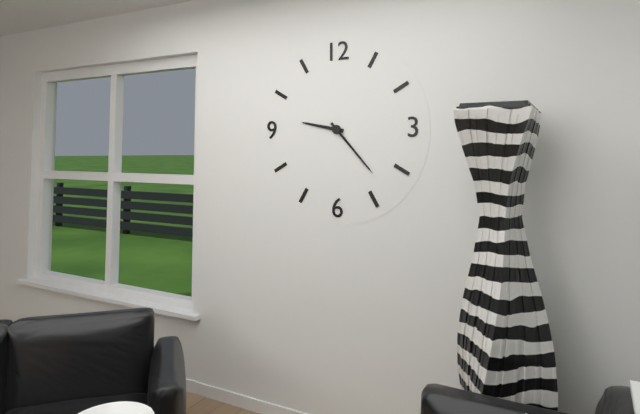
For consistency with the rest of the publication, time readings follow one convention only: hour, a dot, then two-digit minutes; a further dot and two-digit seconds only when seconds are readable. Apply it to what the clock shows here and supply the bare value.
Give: 9.23
